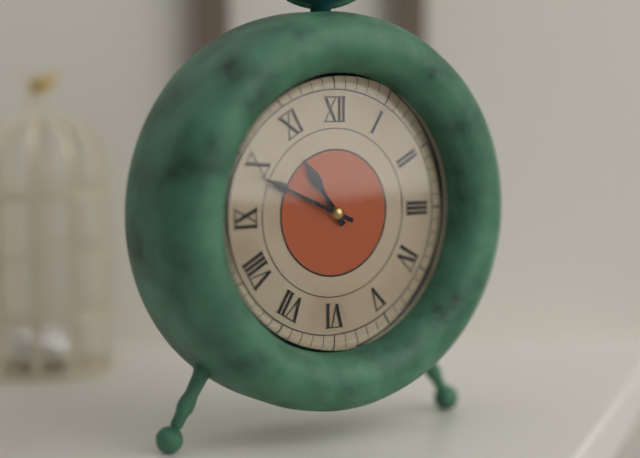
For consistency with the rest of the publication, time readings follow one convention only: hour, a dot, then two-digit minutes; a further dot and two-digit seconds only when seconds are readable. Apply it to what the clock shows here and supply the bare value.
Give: 10.49
